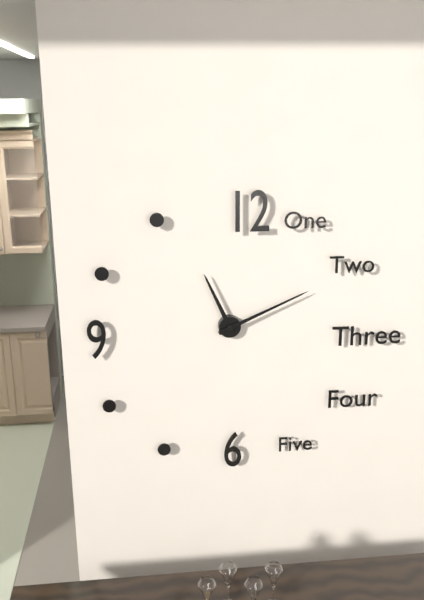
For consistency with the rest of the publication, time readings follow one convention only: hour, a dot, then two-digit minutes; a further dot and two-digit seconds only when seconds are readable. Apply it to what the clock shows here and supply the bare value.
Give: 11.11
